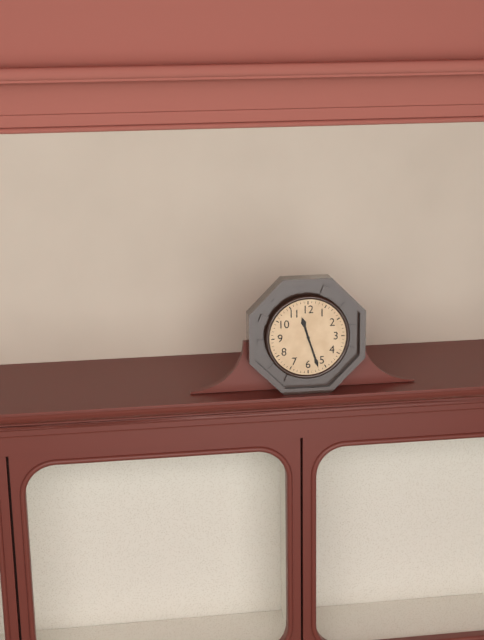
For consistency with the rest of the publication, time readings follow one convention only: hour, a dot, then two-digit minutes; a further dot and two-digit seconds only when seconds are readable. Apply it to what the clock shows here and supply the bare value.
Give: 11.27
